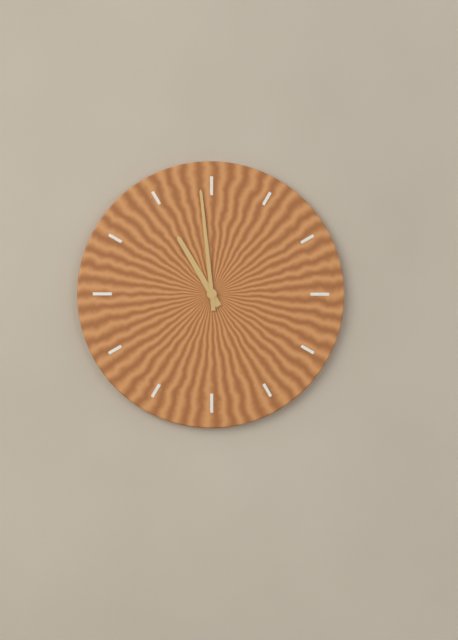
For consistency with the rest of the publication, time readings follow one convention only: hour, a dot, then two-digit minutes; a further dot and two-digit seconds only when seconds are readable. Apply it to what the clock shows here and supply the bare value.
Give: 10.59
